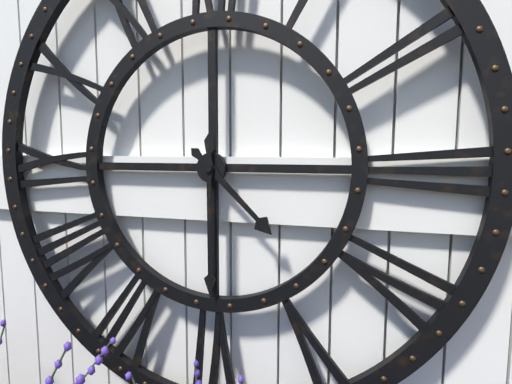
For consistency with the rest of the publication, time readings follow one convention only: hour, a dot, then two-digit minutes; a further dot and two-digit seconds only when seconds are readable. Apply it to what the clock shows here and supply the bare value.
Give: 4.30
